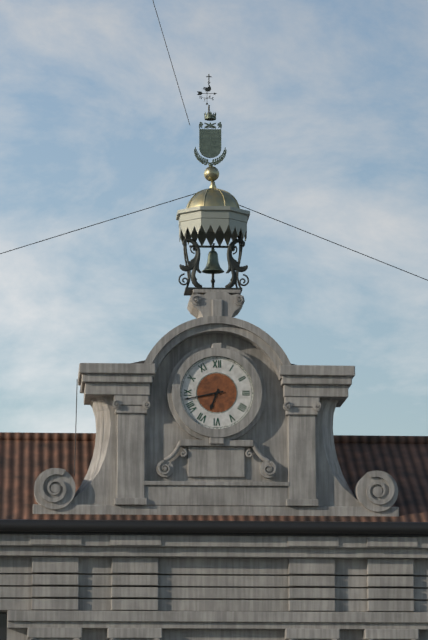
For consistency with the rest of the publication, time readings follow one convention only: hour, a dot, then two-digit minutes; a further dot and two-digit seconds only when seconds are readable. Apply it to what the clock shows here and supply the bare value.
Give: 6.43
